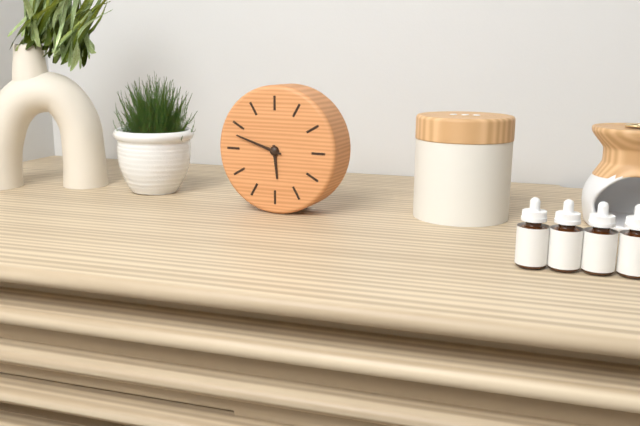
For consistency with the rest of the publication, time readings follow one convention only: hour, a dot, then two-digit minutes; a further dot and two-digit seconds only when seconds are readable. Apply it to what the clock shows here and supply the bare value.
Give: 5.48
